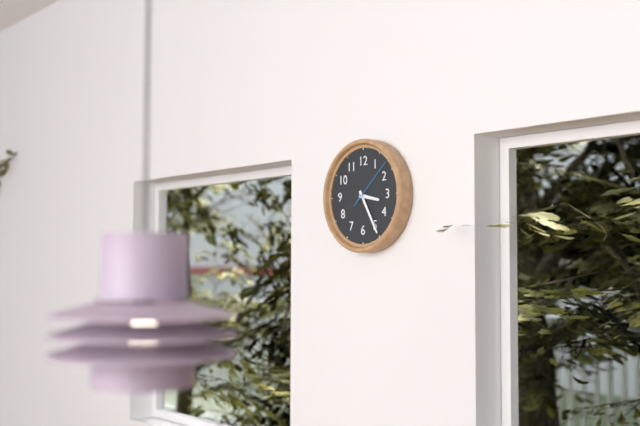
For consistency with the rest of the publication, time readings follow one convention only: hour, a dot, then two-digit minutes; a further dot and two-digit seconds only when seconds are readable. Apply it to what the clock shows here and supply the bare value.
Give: 3.25.08
